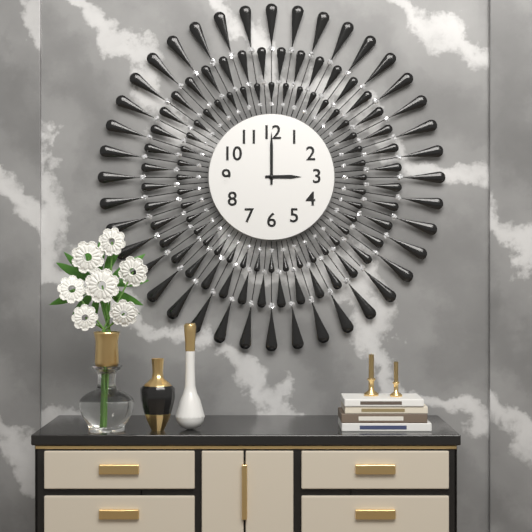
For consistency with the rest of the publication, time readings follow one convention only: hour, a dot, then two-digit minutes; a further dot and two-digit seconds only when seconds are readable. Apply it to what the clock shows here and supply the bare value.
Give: 3.00
